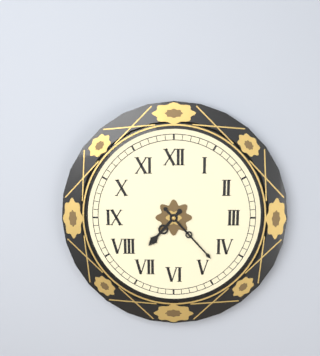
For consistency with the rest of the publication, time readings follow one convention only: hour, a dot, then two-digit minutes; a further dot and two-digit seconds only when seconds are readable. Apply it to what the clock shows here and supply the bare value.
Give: 7.23
